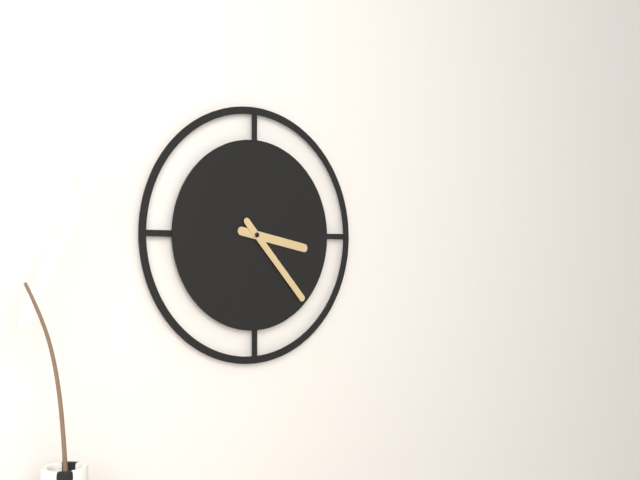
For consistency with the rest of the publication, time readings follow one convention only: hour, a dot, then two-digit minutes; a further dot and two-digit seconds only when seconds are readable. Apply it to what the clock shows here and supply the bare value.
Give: 3.23
